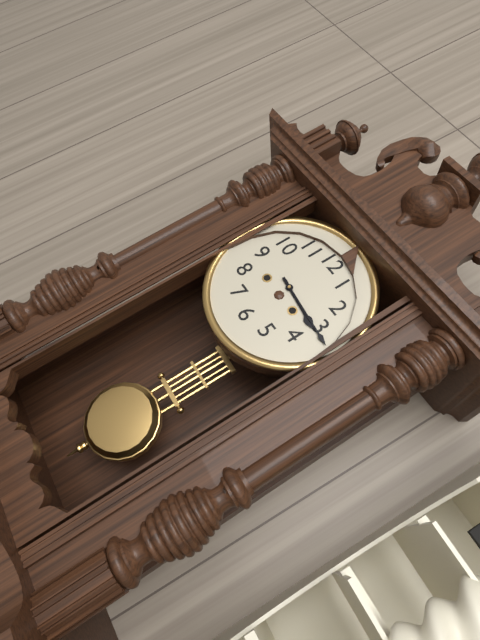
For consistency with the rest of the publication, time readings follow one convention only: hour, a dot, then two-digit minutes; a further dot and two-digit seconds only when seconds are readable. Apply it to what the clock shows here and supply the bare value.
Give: 3.16
